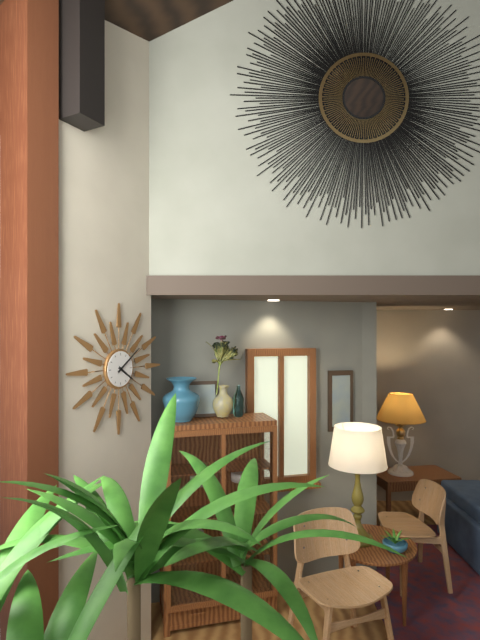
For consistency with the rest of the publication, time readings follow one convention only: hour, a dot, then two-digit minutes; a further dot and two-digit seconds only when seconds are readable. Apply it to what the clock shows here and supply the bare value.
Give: 4.09
